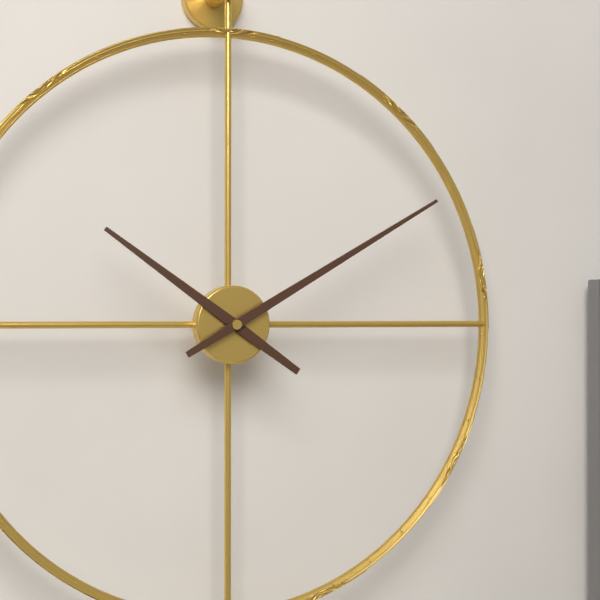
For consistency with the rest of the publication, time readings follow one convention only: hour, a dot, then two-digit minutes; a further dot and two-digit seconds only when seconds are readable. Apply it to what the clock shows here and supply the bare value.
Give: 10.10
